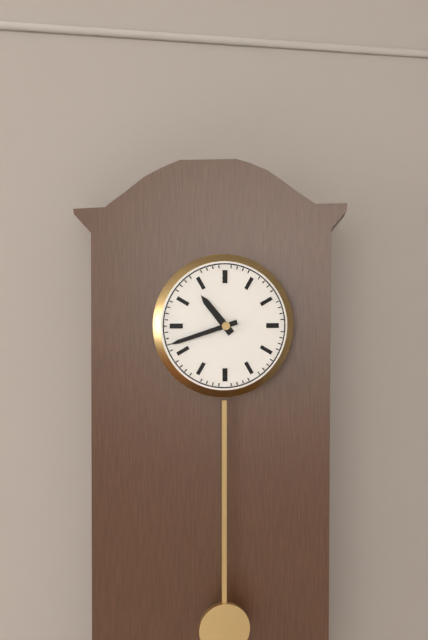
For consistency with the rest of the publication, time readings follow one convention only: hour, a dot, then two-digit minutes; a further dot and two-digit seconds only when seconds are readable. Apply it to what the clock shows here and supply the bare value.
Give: 10.42
